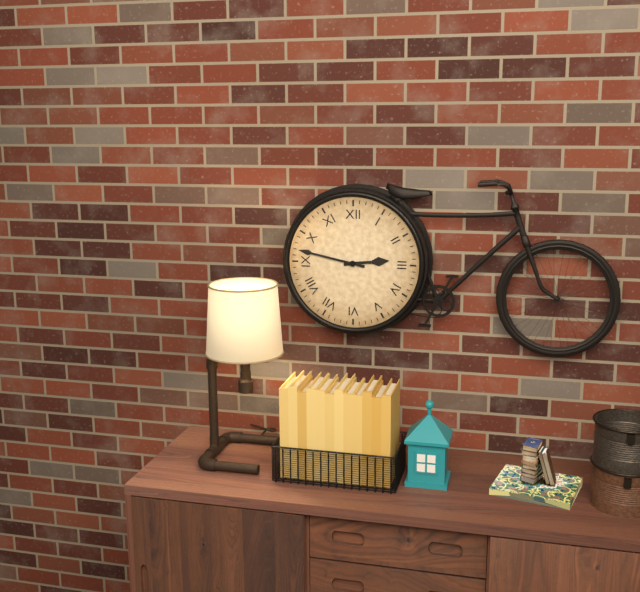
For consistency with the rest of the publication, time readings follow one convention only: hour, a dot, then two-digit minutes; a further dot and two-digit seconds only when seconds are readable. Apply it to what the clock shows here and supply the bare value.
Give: 2.47
